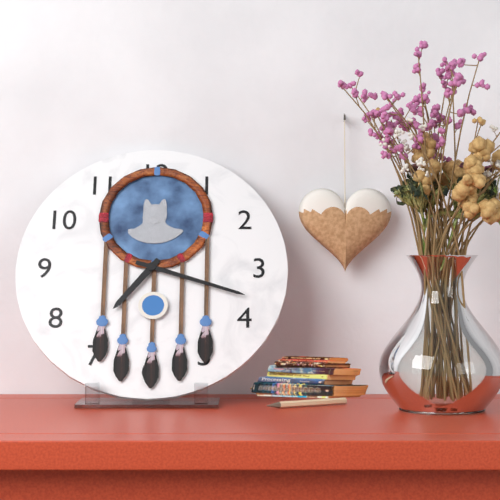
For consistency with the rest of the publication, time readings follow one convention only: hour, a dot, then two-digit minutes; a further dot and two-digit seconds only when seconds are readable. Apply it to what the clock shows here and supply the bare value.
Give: 7.18
